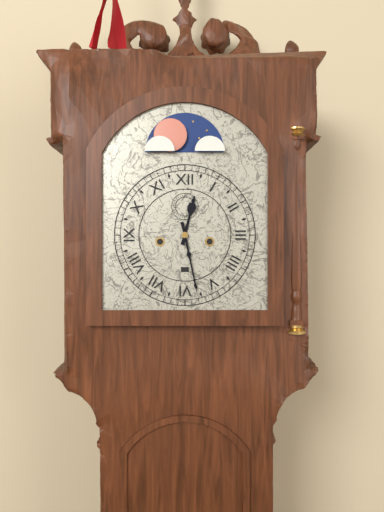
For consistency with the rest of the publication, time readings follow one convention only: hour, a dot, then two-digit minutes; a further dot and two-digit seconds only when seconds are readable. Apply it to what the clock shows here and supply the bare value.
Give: 12.28
